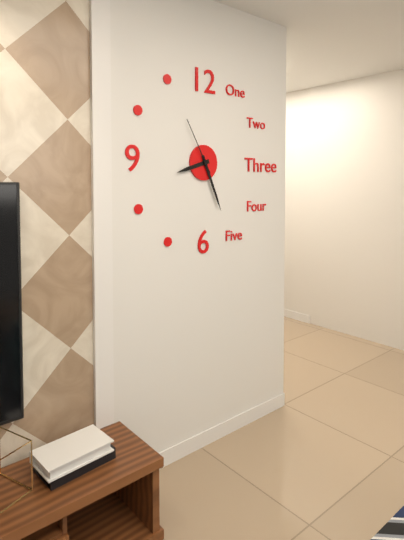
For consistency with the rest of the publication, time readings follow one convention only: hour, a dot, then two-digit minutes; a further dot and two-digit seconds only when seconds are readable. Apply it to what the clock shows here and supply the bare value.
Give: 8.26.55
